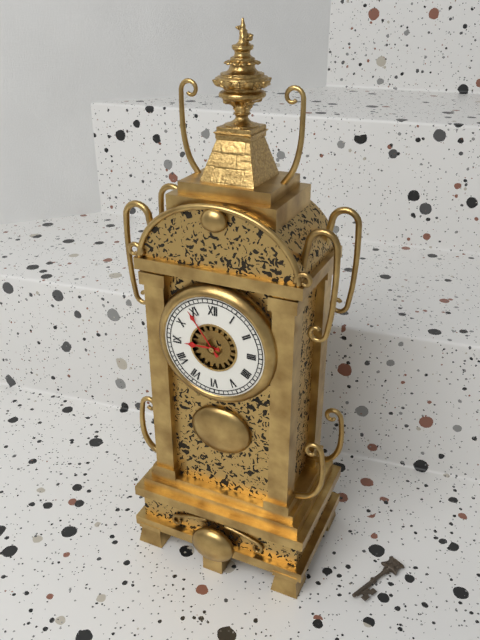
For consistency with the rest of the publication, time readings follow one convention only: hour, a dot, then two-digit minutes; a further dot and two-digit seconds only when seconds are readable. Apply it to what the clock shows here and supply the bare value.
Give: 8.54
